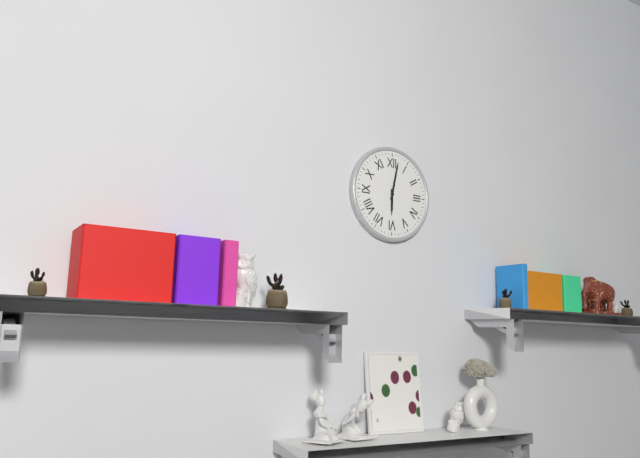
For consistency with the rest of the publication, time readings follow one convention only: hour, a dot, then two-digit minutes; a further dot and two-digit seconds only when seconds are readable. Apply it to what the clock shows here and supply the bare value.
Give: 6.02
